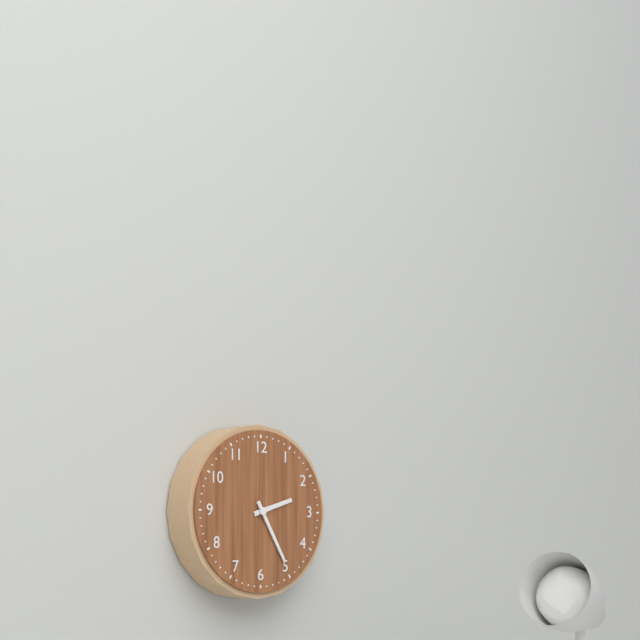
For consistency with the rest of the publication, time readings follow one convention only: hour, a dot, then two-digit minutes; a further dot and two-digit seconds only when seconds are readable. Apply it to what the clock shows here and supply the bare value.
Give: 2.25
